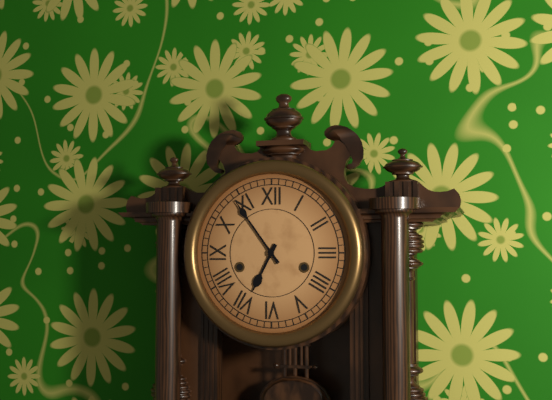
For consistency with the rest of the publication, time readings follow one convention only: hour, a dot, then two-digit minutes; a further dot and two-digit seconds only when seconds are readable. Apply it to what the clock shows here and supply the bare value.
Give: 6.54
